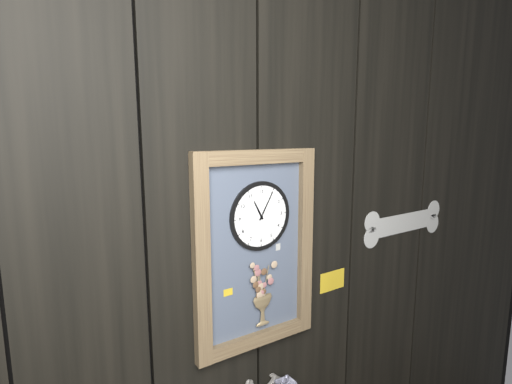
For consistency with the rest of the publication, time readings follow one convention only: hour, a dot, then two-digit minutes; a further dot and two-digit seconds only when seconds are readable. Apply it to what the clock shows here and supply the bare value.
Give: 11.05
